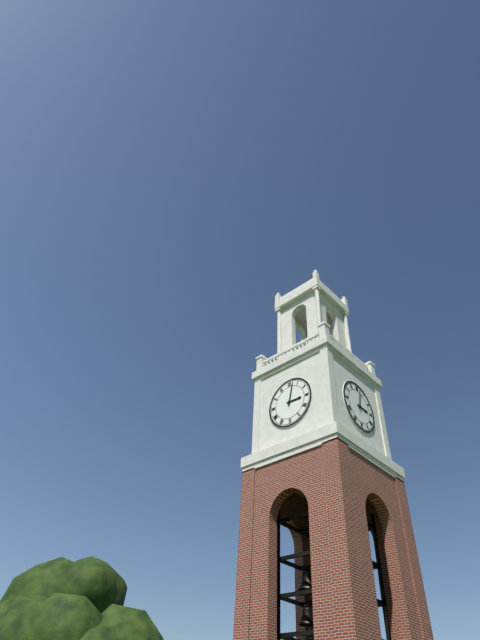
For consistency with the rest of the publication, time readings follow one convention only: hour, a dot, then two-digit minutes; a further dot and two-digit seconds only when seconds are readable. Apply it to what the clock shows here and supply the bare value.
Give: 3.02
